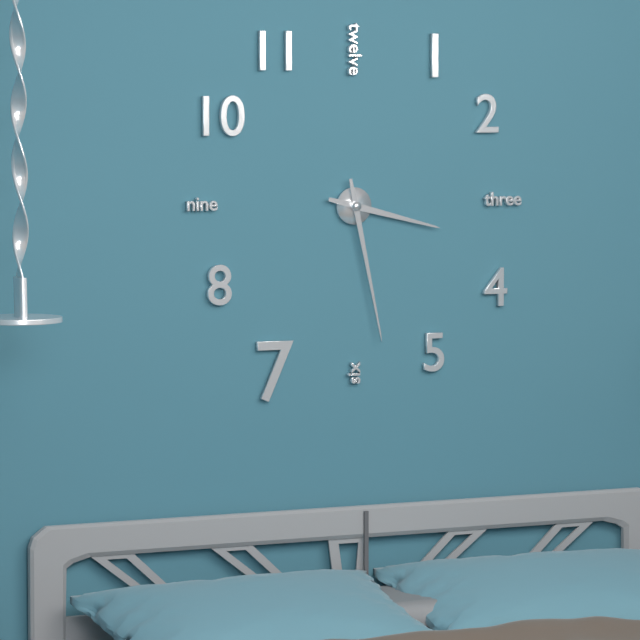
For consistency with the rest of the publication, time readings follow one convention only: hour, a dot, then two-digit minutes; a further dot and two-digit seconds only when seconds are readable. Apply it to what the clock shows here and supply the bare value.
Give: 3.28
